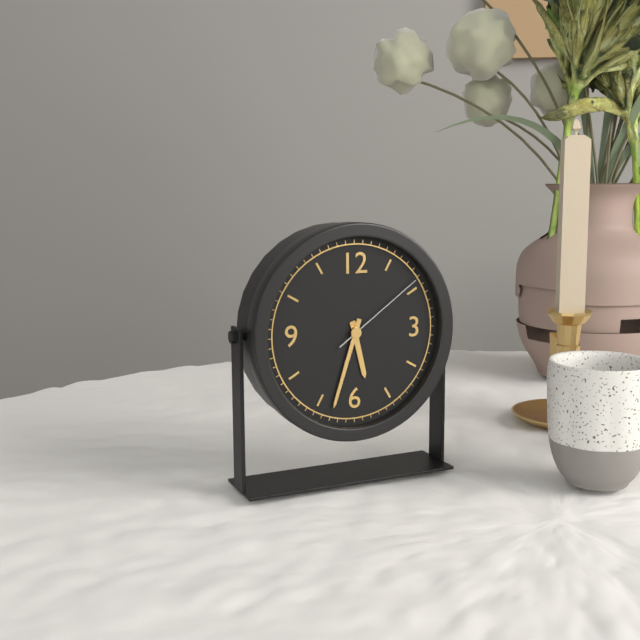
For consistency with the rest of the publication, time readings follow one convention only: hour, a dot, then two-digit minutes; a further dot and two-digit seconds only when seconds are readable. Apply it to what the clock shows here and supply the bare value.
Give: 5.33.09
